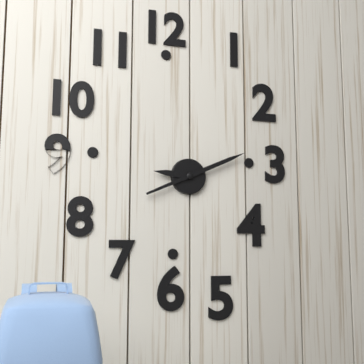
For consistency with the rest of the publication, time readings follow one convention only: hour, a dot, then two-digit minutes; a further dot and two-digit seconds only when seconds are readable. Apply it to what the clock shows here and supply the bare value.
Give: 9.11
